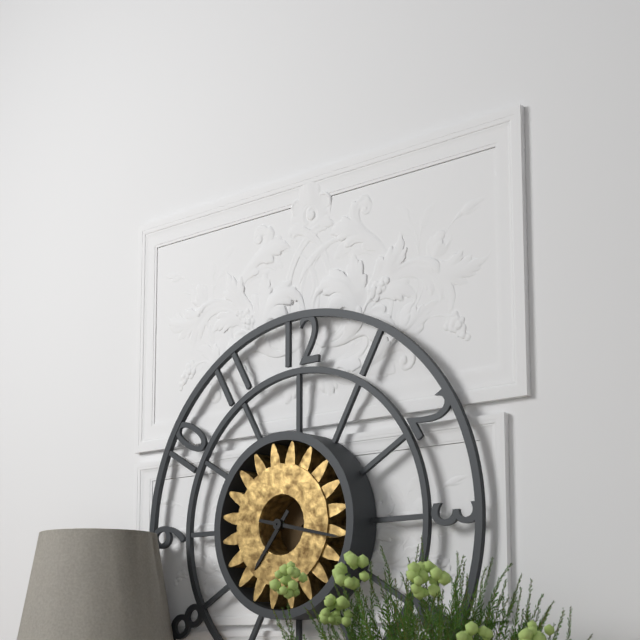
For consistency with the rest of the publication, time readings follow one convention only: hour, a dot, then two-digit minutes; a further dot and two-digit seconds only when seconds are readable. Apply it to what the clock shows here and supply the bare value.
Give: 7.17
